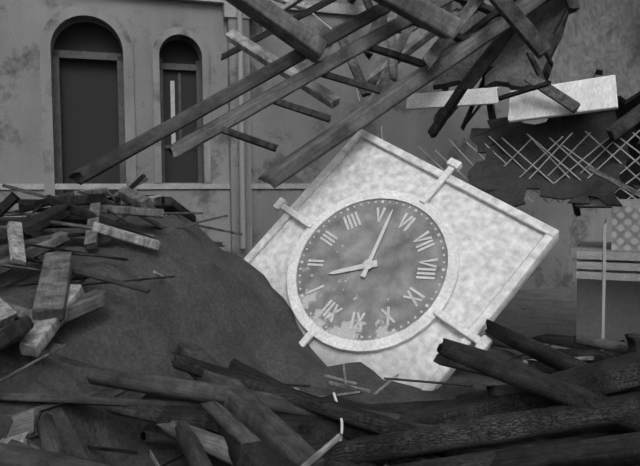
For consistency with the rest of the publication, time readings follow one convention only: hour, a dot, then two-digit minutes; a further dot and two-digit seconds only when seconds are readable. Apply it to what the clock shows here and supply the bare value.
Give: 1.27
